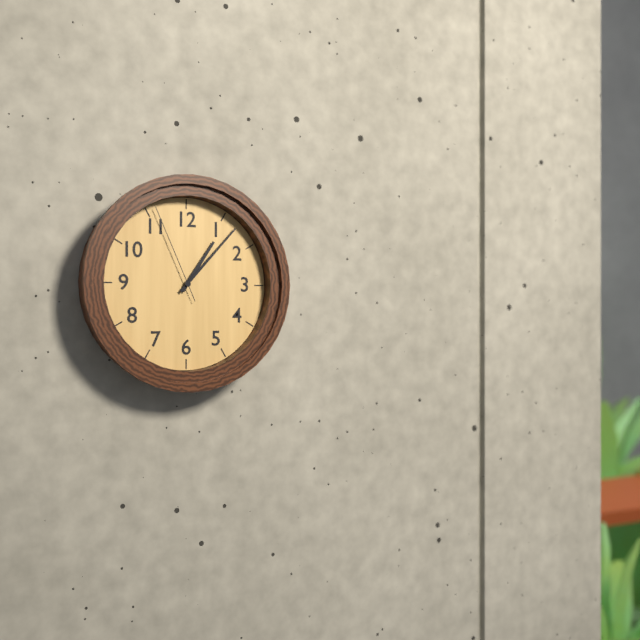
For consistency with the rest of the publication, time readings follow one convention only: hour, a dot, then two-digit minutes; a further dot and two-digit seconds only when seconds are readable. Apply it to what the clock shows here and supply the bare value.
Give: 1.07.56
